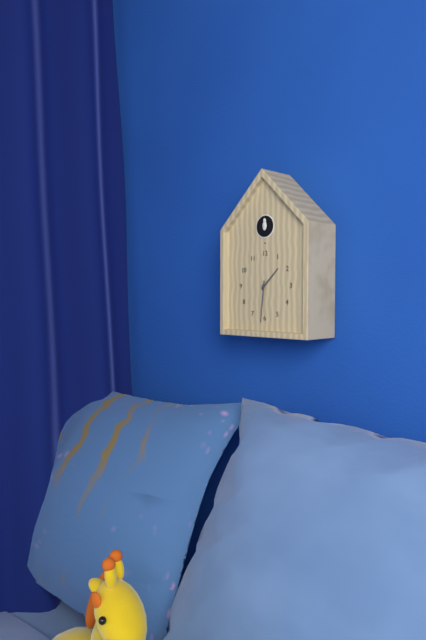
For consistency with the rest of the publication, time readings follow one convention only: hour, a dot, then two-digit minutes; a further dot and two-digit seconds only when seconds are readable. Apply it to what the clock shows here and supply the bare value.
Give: 1.31
